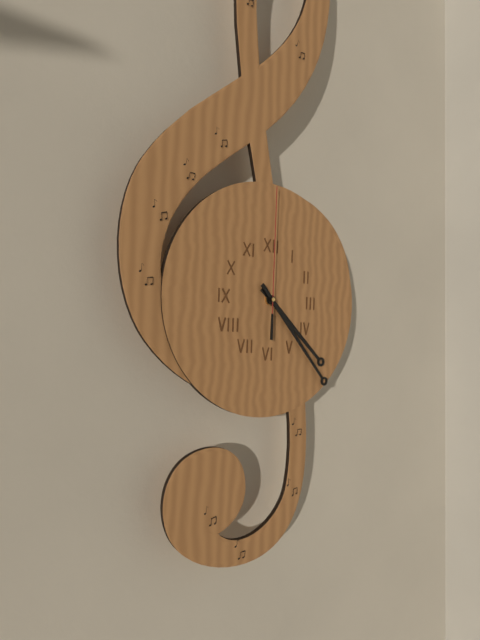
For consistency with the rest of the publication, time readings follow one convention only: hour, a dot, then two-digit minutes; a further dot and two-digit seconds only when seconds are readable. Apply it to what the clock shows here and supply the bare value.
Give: 4.23.00
